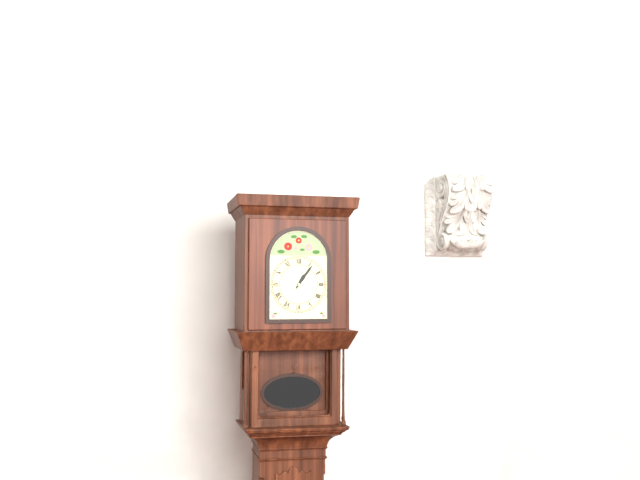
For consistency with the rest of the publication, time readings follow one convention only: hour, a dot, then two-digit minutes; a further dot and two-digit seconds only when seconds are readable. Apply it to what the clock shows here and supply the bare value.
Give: 1.06
